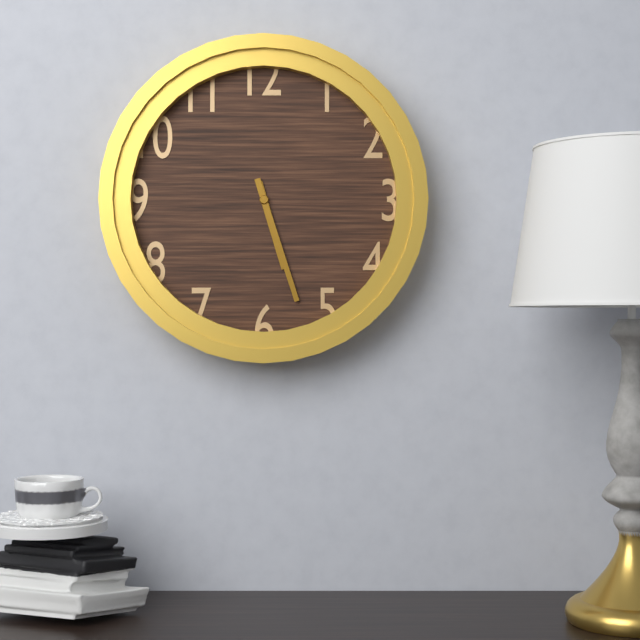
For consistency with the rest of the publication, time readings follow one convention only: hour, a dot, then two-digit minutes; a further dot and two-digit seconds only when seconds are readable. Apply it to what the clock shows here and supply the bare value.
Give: 5.27
